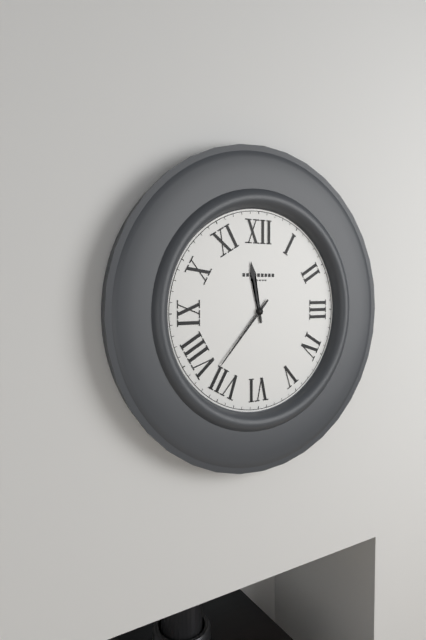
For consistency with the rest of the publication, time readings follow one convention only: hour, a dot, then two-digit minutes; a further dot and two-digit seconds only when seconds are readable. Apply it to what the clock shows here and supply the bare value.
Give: 11.37
